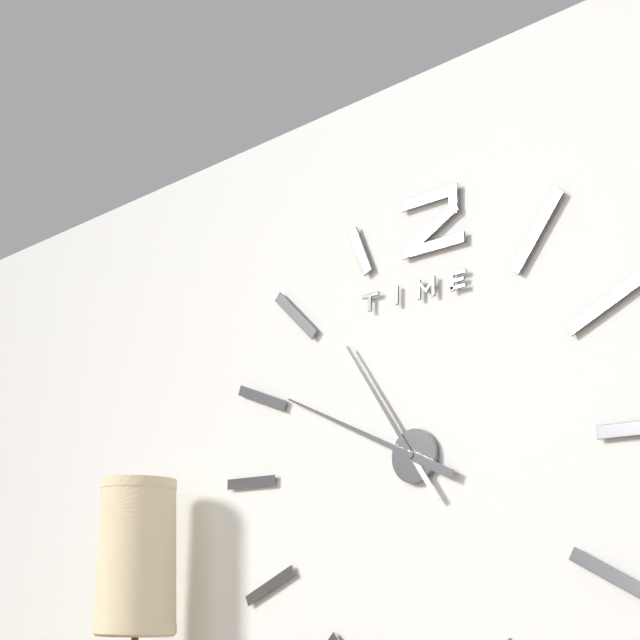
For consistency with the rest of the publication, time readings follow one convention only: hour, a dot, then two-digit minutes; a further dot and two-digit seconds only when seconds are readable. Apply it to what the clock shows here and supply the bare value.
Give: 10.49
